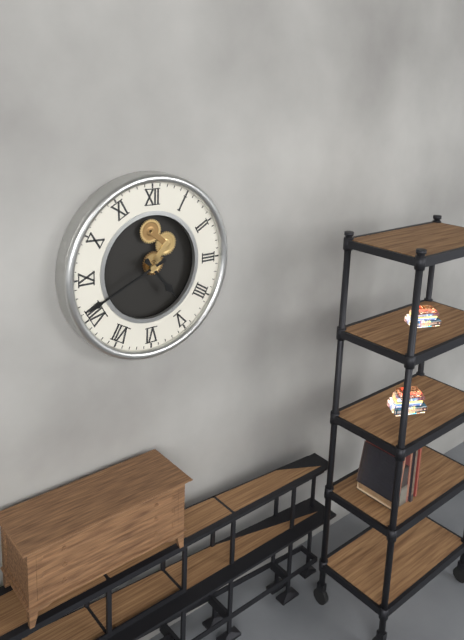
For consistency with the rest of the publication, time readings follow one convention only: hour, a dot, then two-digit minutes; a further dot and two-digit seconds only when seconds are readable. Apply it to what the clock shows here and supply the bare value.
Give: 4.41
